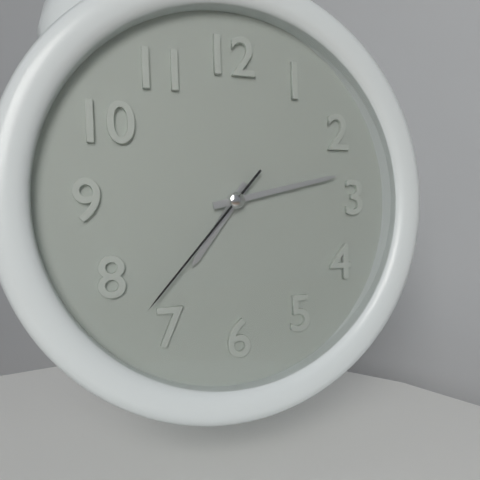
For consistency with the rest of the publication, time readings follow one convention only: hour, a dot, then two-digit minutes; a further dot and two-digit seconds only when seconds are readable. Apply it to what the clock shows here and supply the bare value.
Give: 7.13.37
